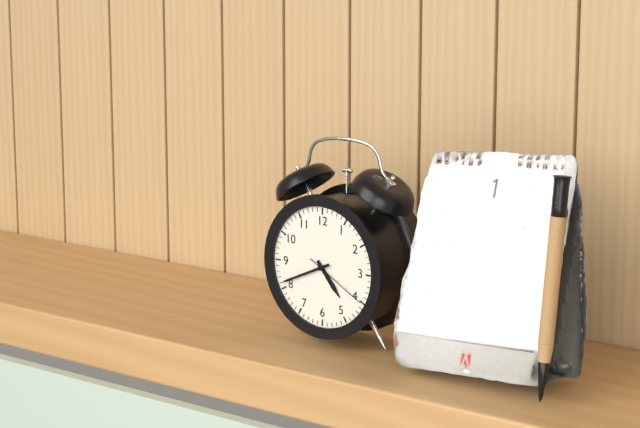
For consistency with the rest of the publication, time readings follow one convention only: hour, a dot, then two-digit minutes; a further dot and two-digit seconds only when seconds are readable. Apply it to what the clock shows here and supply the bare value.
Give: 4.41.20
